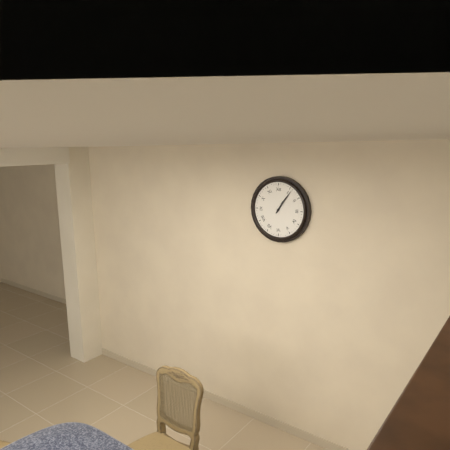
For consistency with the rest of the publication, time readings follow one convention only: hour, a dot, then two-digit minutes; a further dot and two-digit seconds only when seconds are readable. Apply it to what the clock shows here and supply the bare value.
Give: 1.06
